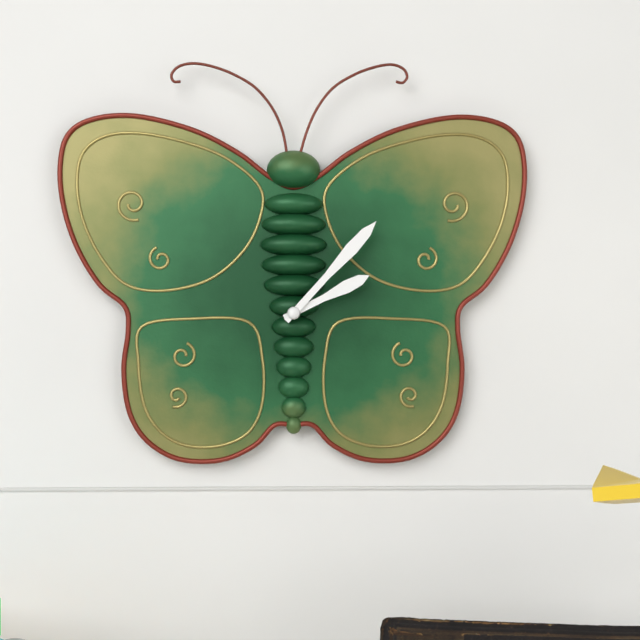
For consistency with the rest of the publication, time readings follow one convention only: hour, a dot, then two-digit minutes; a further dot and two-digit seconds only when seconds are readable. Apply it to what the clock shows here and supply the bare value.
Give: 2.07
